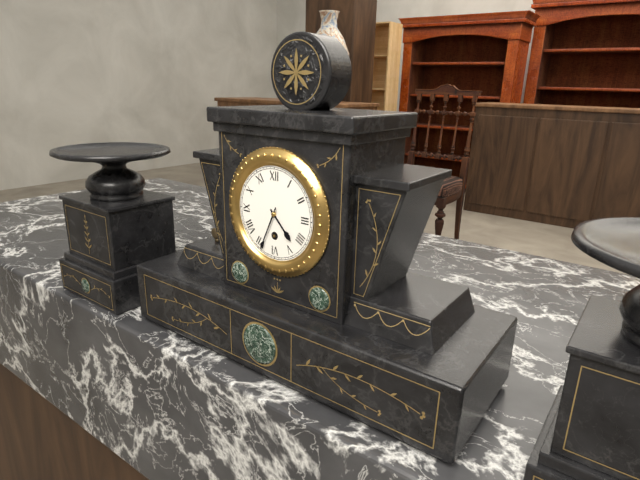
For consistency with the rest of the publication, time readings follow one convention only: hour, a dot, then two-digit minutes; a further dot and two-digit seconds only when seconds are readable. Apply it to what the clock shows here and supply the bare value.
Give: 4.34
